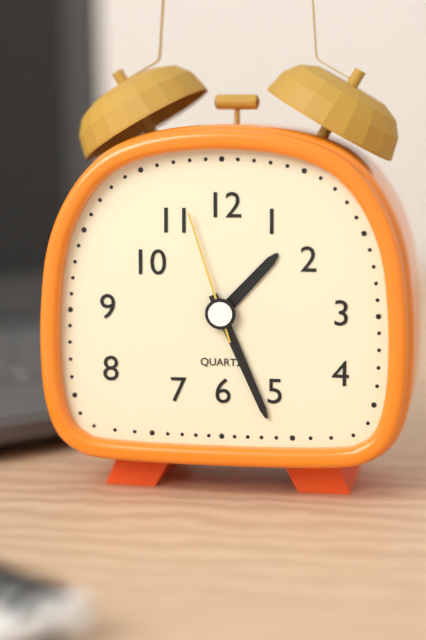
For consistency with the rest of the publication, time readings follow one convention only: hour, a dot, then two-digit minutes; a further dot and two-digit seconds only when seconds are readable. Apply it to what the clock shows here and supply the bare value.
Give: 1.26.57
